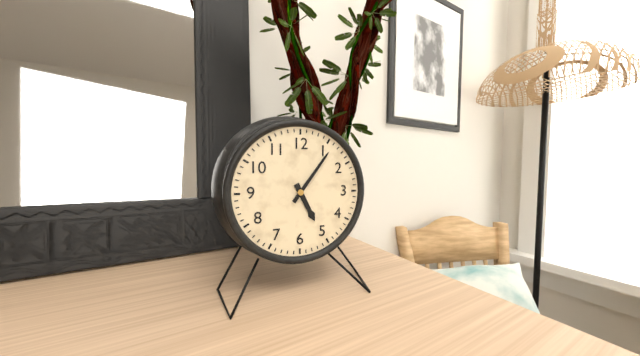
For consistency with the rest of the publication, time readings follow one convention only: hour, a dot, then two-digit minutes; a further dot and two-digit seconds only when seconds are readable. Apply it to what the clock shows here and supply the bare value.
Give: 5.06
